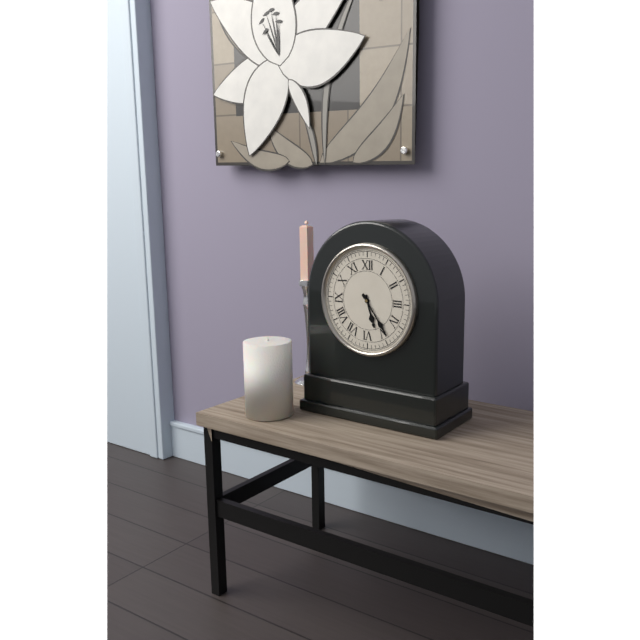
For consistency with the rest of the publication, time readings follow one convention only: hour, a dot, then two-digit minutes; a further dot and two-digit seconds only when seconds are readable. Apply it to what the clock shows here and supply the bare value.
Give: 5.24
